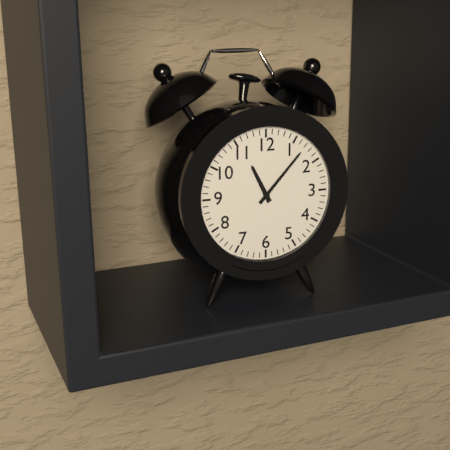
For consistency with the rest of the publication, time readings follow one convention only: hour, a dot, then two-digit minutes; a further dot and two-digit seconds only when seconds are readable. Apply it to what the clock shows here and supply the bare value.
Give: 11.07
